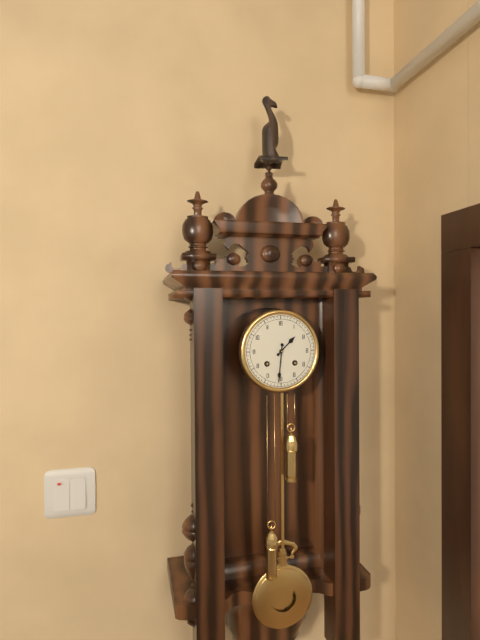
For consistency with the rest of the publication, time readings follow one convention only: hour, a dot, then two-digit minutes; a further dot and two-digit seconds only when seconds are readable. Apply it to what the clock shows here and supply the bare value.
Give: 1.31
